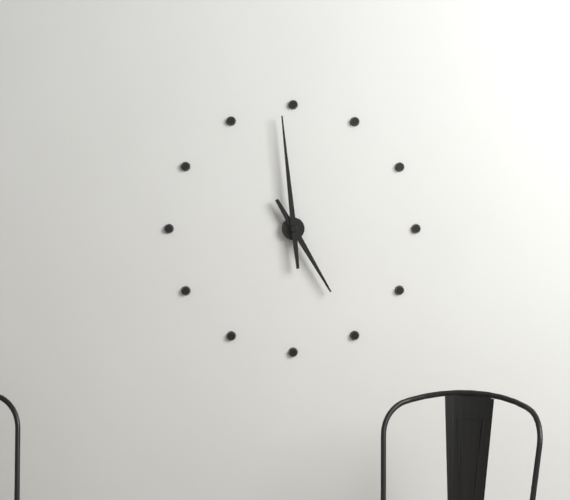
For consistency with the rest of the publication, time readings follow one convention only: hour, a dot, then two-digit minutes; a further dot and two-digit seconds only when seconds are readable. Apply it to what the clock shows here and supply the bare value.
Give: 4.59
